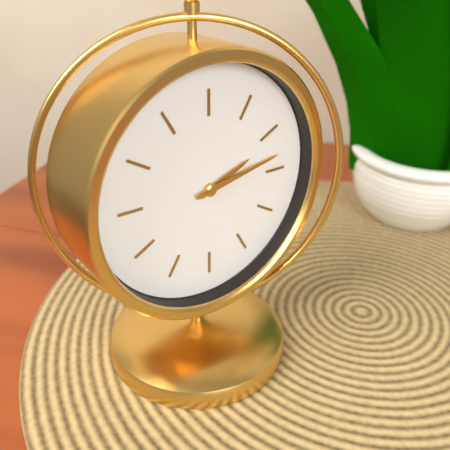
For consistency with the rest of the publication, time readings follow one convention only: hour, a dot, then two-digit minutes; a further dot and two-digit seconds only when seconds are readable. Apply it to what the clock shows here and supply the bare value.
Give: 2.13
